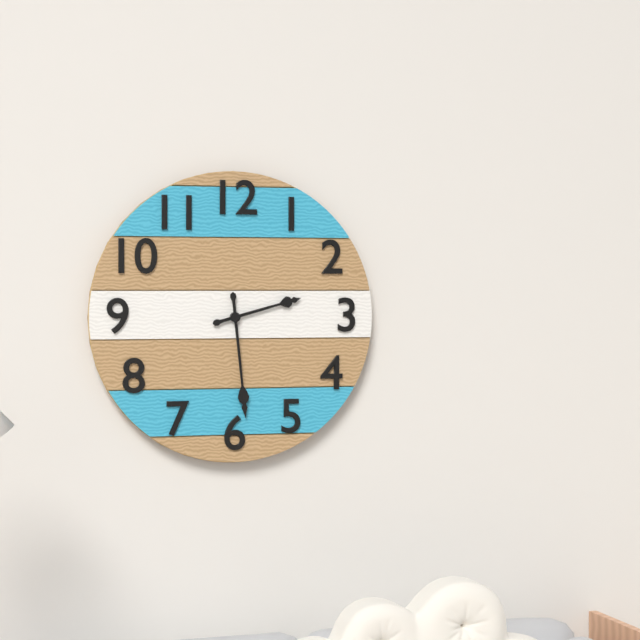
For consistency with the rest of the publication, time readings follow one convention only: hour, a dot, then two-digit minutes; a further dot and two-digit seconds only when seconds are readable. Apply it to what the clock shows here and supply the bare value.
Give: 2.29
